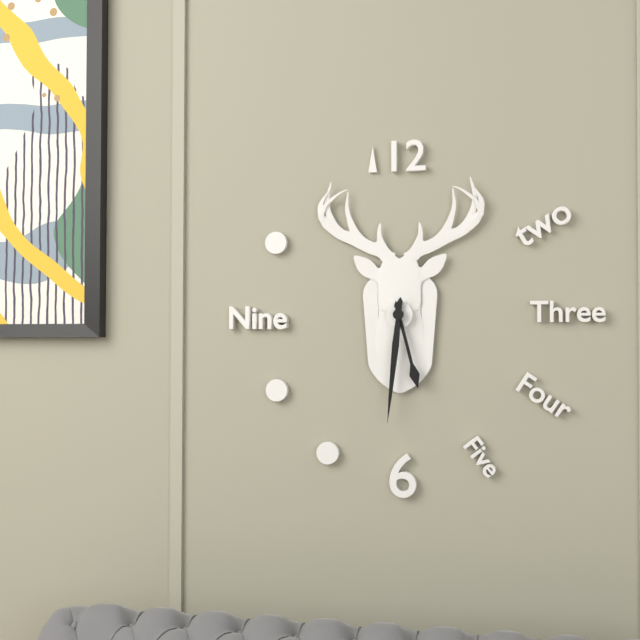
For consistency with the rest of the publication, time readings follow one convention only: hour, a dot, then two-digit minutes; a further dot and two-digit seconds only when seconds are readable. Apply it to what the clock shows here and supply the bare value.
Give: 5.31
